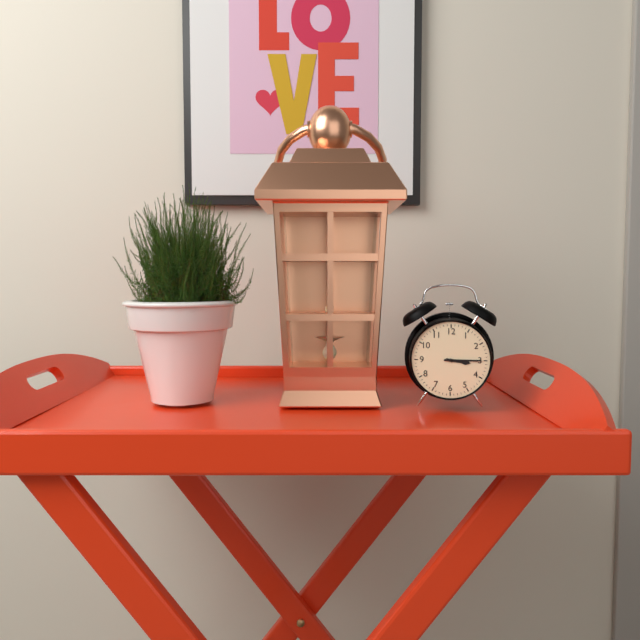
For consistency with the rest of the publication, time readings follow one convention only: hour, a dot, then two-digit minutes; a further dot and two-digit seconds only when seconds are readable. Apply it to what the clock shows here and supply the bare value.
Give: 3.15
